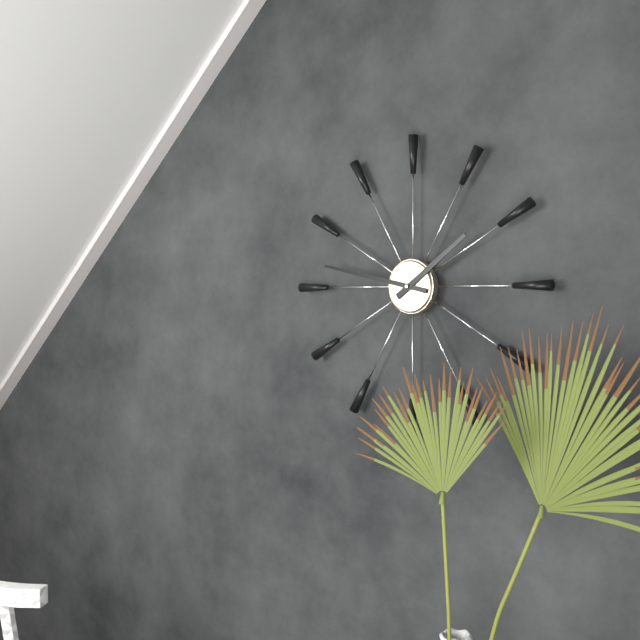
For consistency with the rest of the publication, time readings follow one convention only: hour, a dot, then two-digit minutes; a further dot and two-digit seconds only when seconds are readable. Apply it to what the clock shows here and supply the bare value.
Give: 1.47
